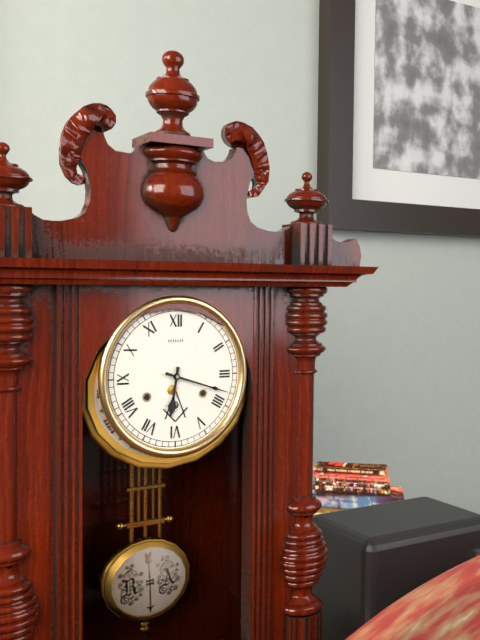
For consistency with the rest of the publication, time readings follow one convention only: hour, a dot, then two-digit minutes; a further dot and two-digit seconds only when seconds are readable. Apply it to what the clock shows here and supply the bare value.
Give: 6.18
